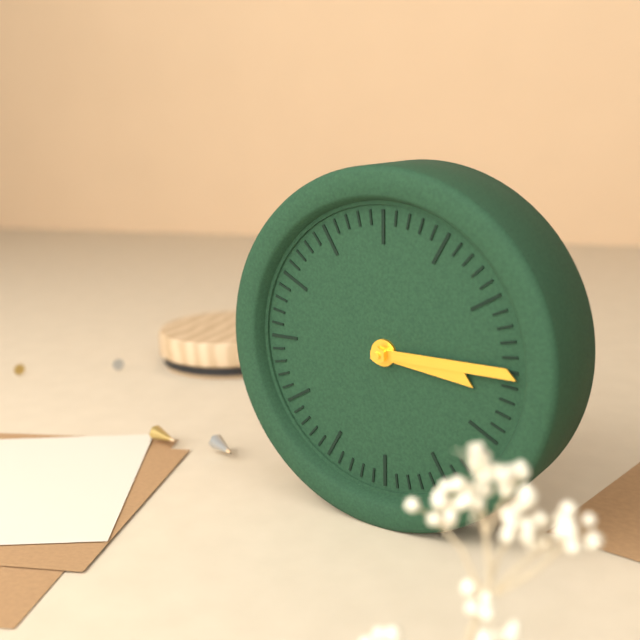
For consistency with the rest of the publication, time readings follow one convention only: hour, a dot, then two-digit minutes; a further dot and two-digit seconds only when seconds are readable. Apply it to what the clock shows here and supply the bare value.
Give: 3.15
